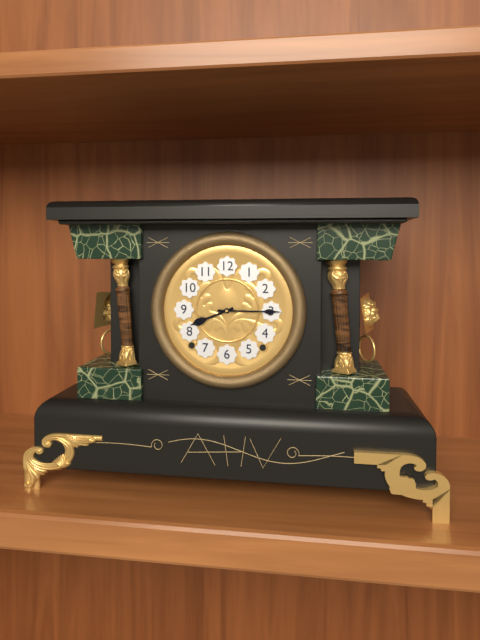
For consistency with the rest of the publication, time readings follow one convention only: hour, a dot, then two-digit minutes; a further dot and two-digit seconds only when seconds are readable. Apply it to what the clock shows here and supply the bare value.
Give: 8.15
